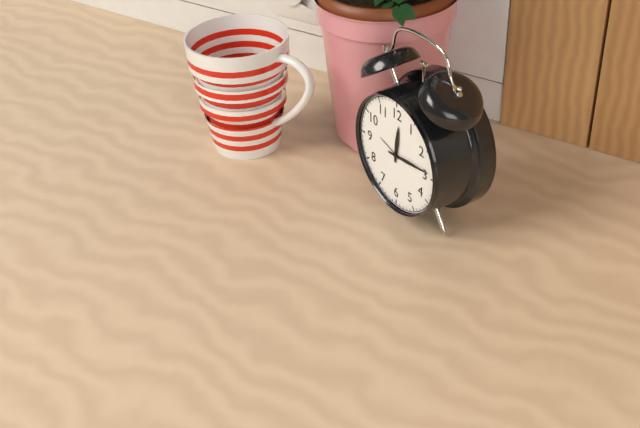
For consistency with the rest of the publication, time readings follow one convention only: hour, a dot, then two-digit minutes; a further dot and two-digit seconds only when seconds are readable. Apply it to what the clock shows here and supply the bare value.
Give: 12.14
